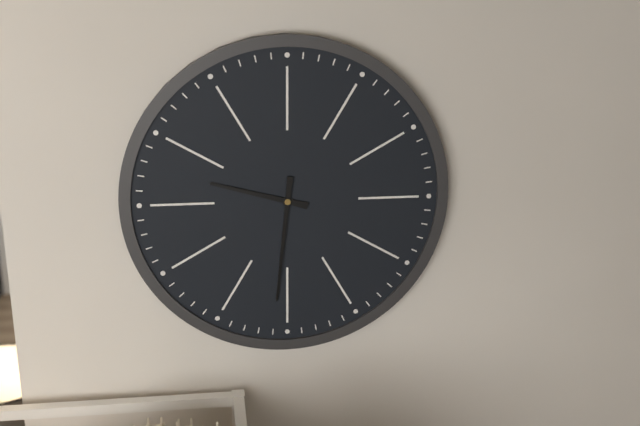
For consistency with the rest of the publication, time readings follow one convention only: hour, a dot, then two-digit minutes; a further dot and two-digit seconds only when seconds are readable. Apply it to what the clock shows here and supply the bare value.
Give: 9.31
